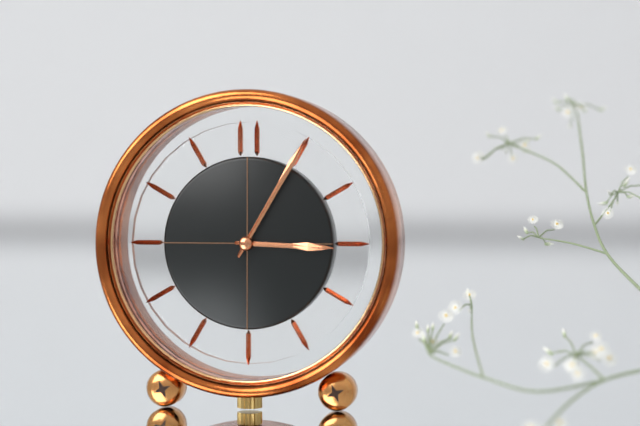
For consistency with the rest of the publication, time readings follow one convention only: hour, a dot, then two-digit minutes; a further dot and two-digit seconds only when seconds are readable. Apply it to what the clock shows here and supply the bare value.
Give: 3.05
